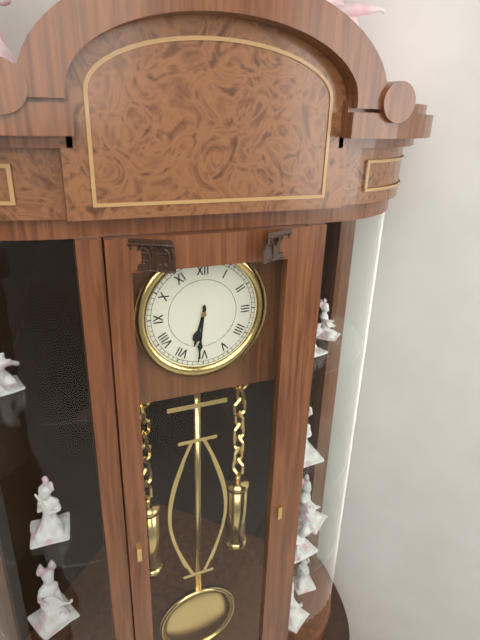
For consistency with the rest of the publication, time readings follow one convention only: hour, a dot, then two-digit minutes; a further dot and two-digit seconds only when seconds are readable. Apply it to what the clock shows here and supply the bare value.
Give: 6.31
